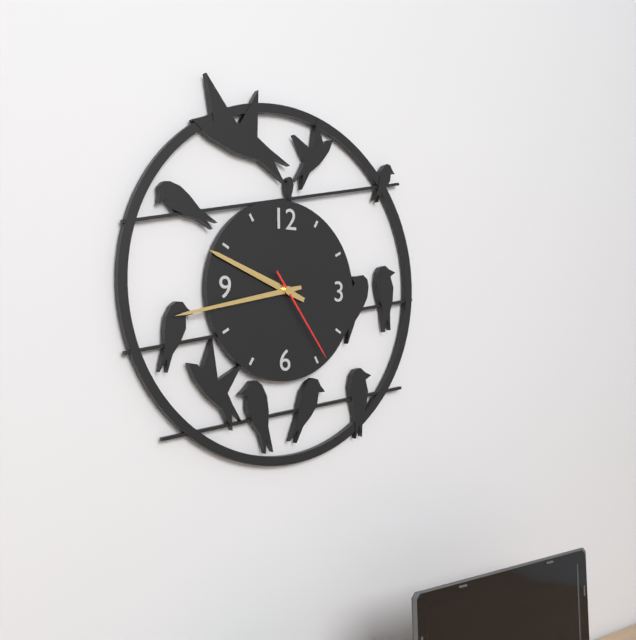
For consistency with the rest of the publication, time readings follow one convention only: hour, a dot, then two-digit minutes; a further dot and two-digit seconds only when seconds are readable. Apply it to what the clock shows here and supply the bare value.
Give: 9.43.24
